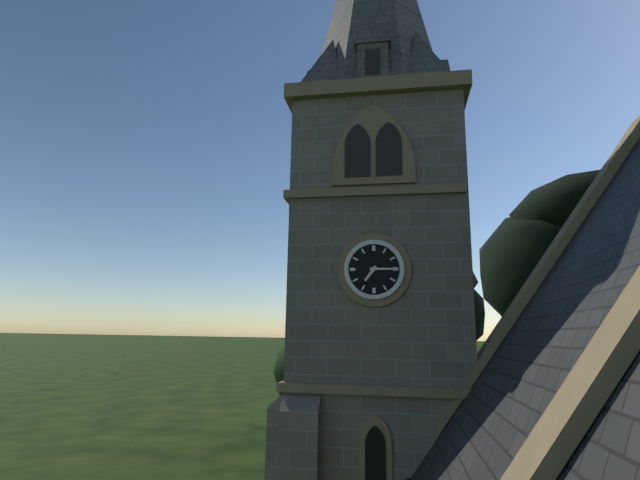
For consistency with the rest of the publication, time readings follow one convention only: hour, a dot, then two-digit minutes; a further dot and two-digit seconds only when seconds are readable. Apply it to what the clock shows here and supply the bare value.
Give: 7.15
